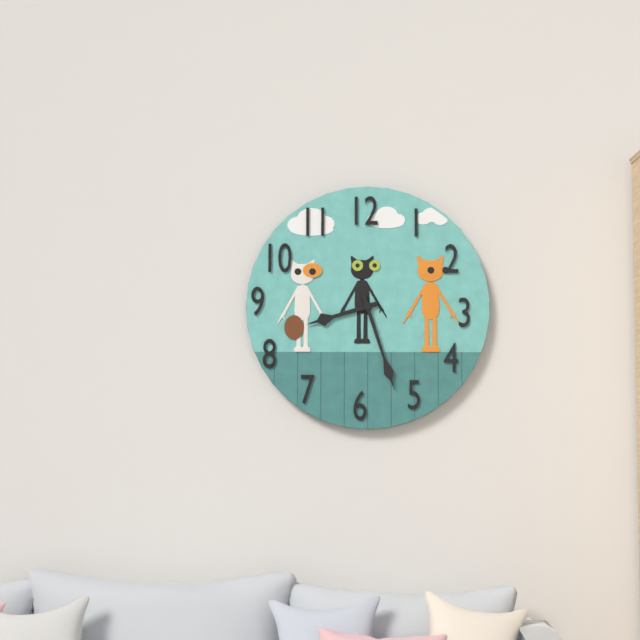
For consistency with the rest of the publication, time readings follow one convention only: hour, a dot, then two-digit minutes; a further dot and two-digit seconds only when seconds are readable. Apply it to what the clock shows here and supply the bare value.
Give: 8.27
